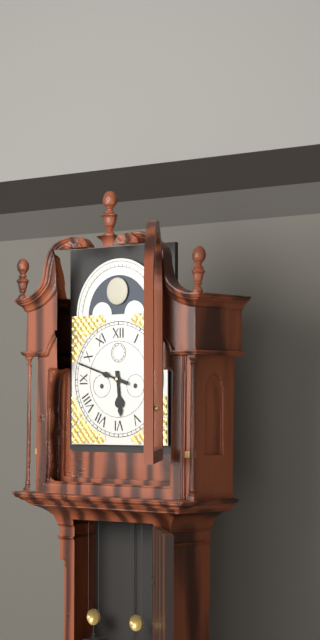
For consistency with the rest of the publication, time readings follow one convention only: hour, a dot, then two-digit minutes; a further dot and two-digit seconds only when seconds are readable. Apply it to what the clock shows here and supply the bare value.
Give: 5.48
